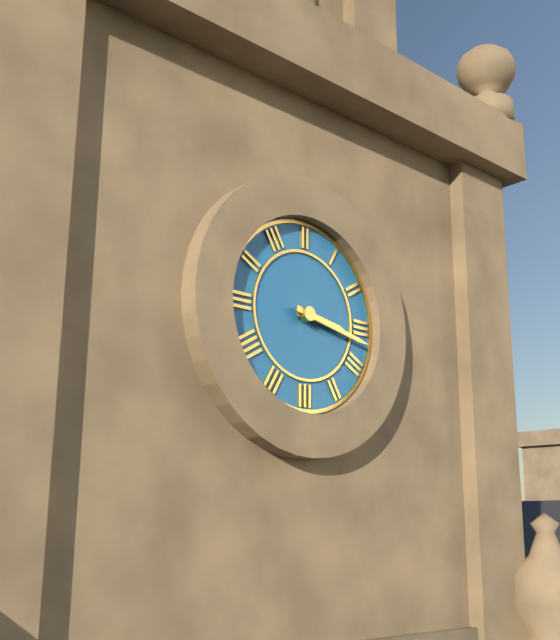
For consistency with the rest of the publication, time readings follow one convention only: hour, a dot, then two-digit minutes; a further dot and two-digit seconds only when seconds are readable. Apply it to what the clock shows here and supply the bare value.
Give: 3.17
